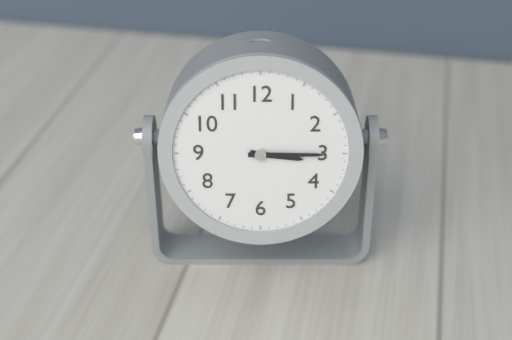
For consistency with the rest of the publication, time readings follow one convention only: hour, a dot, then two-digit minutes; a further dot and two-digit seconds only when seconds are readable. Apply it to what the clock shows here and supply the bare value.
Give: 3.15
